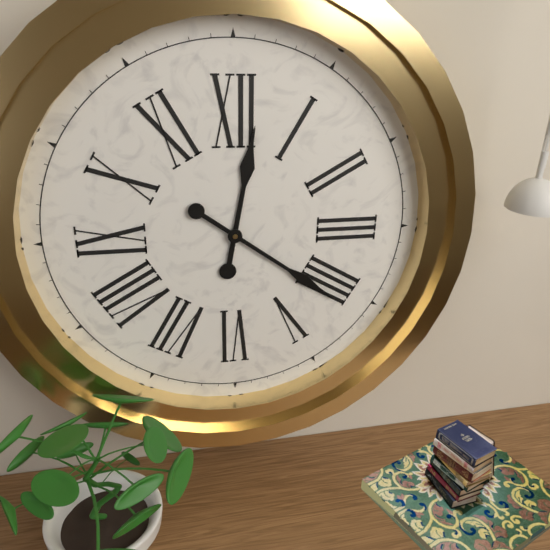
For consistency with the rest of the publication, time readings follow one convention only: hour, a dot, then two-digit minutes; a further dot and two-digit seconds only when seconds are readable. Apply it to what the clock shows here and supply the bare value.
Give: 12.21
